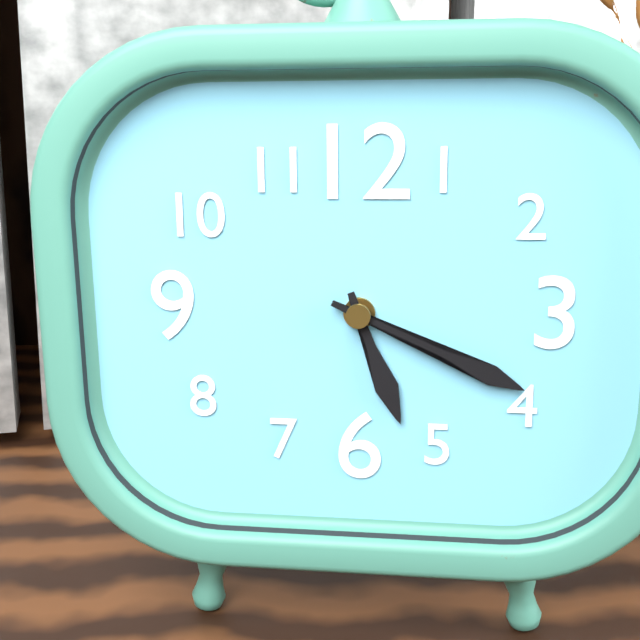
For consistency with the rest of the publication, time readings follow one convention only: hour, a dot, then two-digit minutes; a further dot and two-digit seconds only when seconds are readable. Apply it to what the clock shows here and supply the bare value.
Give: 5.19
